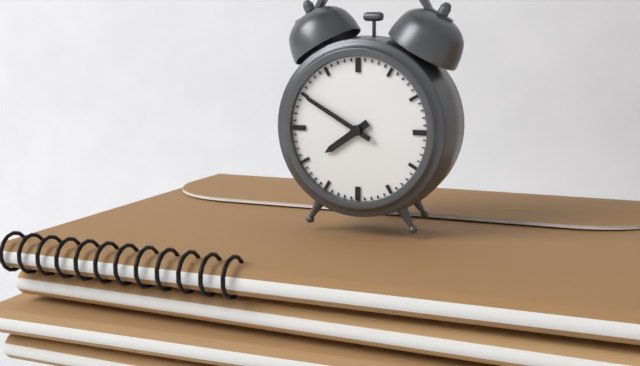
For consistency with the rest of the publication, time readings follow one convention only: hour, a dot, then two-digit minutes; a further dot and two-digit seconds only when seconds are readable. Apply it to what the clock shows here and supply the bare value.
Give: 7.50
